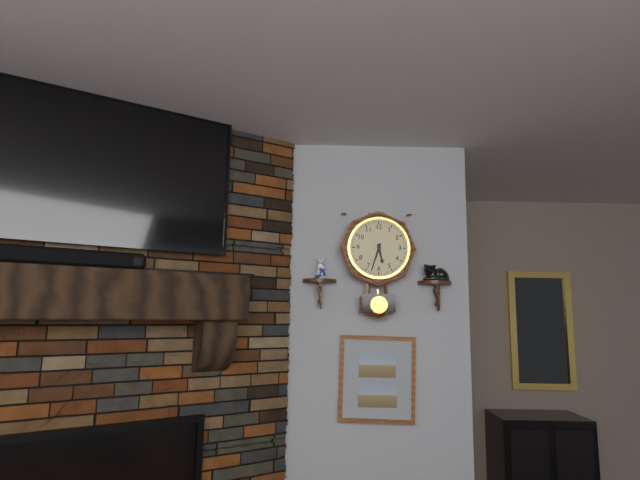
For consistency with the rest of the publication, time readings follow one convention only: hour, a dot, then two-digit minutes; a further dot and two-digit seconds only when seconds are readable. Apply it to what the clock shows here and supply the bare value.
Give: 5.33
